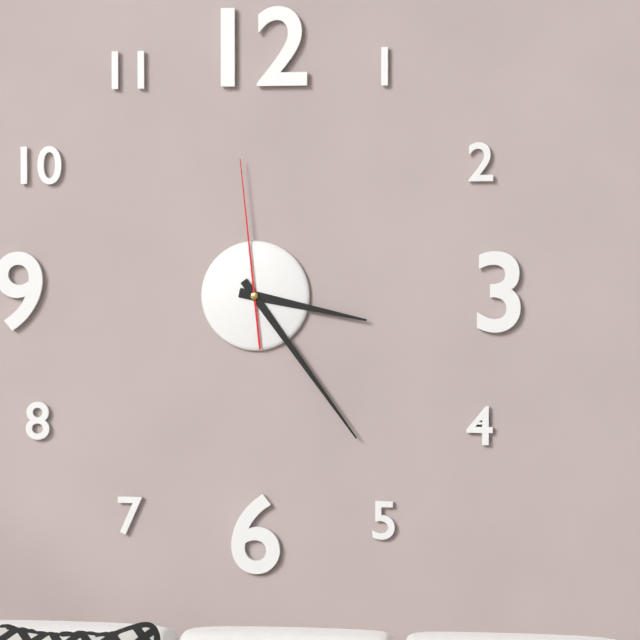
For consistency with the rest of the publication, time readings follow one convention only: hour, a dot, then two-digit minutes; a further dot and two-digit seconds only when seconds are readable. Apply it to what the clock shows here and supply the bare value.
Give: 3.24.59
